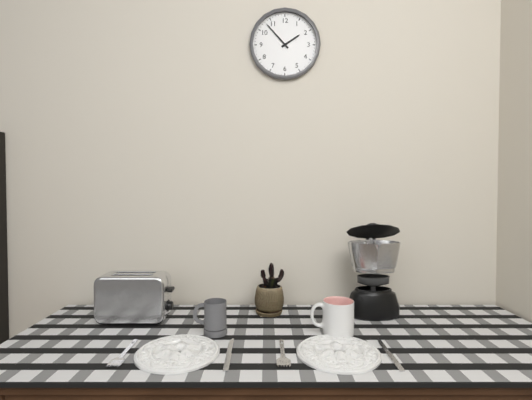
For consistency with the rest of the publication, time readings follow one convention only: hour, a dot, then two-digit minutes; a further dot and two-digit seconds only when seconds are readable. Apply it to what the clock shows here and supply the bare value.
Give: 1.53
